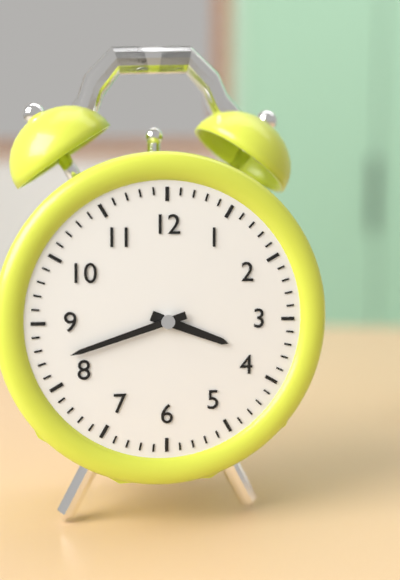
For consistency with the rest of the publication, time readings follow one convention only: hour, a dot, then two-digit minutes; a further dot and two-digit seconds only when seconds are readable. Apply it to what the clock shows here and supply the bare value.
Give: 3.42
